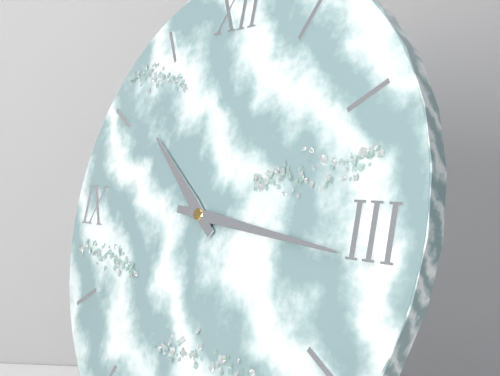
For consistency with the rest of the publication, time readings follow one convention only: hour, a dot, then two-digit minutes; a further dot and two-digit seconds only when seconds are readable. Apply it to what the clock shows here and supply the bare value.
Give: 10.16
